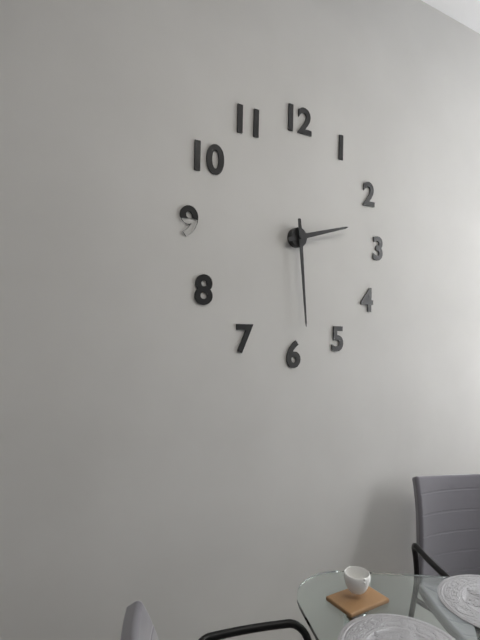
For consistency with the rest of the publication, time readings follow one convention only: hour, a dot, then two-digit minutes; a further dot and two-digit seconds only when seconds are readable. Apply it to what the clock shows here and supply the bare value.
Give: 2.29
